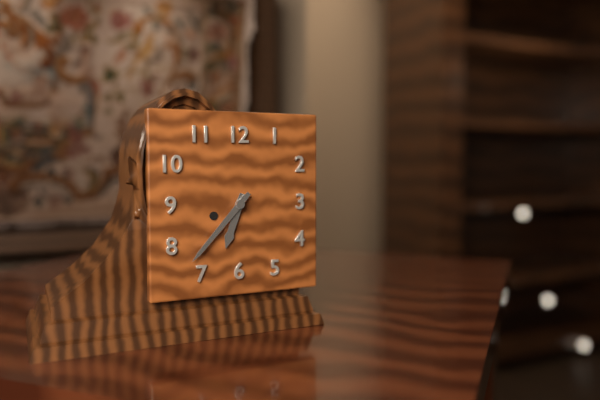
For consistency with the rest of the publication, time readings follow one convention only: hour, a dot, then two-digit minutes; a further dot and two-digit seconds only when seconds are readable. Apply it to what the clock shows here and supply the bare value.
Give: 6.37
